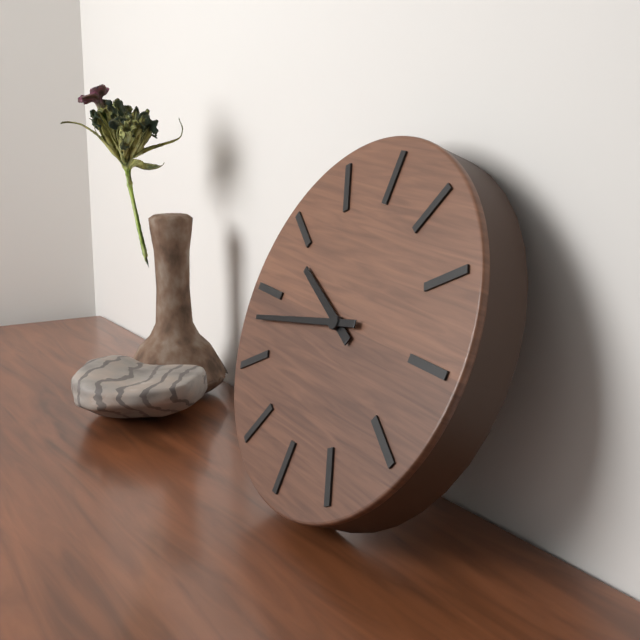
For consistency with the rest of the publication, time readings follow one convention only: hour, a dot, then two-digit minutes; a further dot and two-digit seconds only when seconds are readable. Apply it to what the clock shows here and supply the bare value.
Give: 9.43
